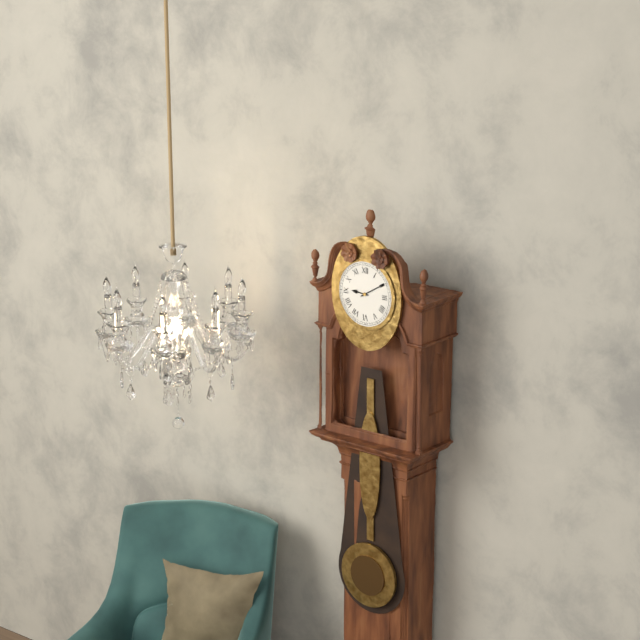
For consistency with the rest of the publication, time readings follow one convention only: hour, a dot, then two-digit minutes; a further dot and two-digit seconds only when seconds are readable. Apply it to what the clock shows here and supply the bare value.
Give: 9.10
